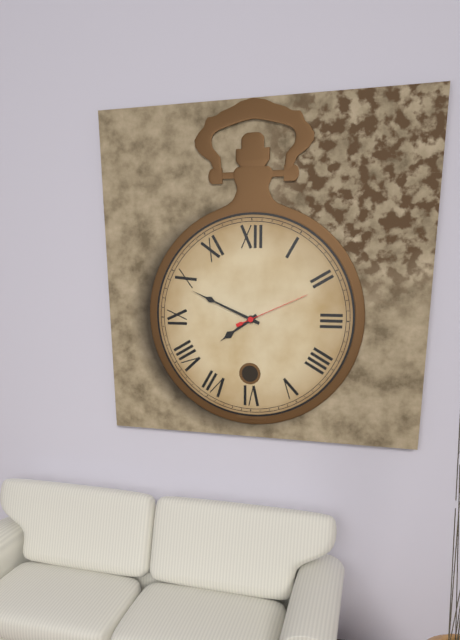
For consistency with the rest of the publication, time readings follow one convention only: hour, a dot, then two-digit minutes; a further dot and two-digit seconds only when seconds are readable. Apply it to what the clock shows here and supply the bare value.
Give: 7.49.11
